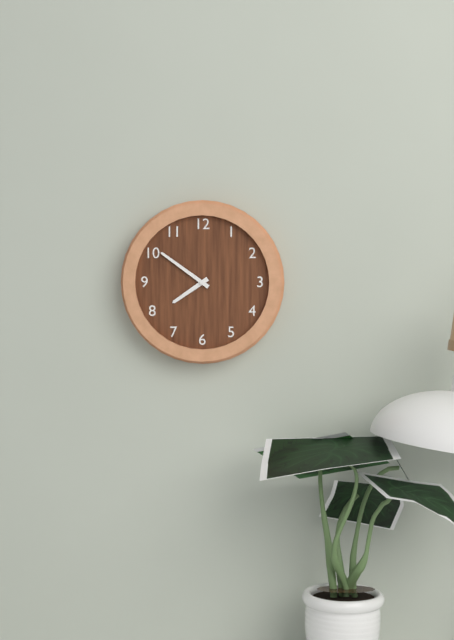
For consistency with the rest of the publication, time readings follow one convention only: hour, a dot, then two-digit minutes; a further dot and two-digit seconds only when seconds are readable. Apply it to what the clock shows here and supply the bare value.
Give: 7.51
